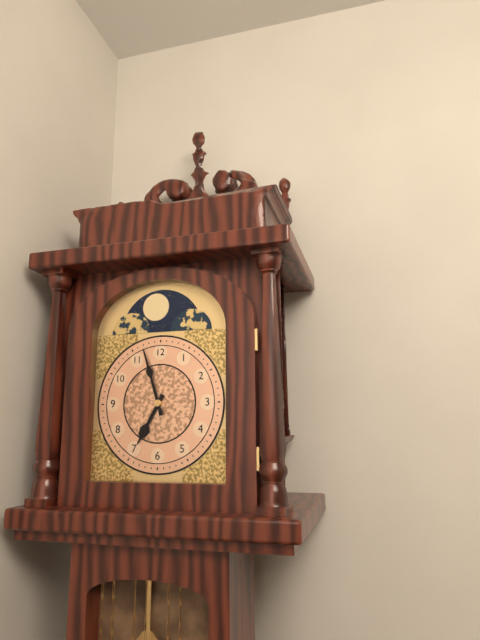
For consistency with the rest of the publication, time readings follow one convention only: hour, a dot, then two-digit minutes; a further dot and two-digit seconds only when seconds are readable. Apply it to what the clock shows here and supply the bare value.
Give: 6.57
